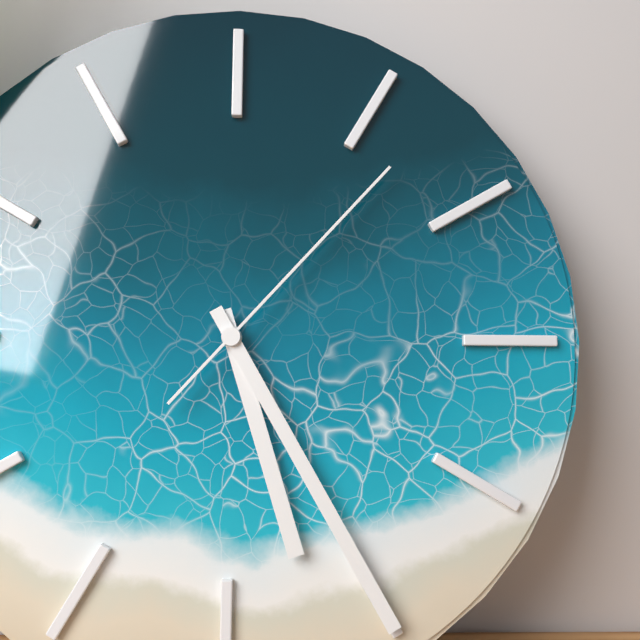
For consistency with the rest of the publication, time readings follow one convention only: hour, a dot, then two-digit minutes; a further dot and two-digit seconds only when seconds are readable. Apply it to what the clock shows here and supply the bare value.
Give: 5.25.07
